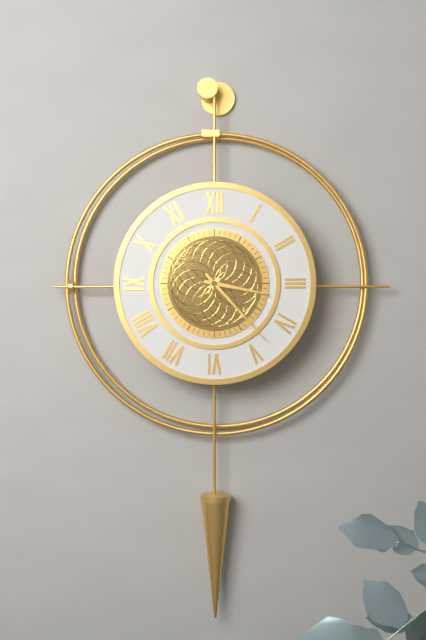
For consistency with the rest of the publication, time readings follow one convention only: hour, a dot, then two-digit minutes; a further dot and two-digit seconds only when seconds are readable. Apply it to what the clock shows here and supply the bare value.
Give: 3.23
